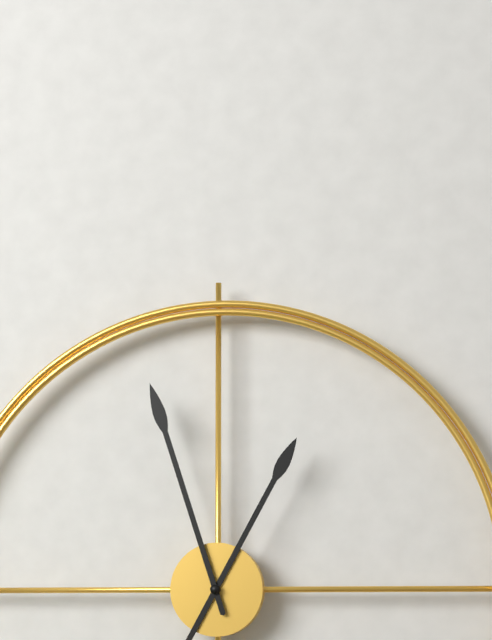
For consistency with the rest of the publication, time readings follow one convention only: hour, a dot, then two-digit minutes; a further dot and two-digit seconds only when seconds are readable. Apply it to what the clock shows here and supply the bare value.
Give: 12.57
